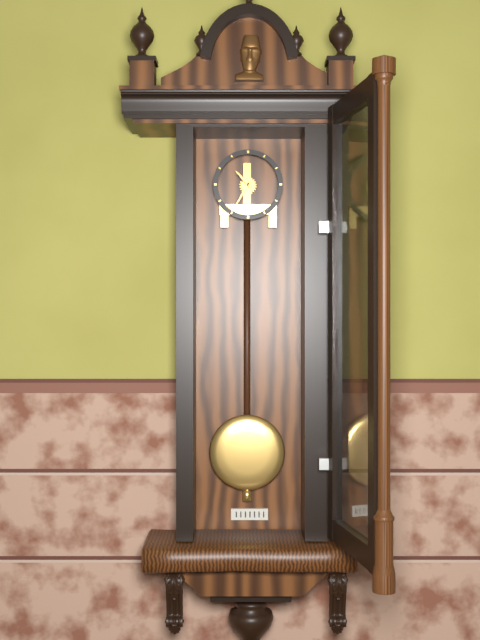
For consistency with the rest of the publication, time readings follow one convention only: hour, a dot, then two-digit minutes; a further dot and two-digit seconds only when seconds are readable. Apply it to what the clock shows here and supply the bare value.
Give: 10.35
